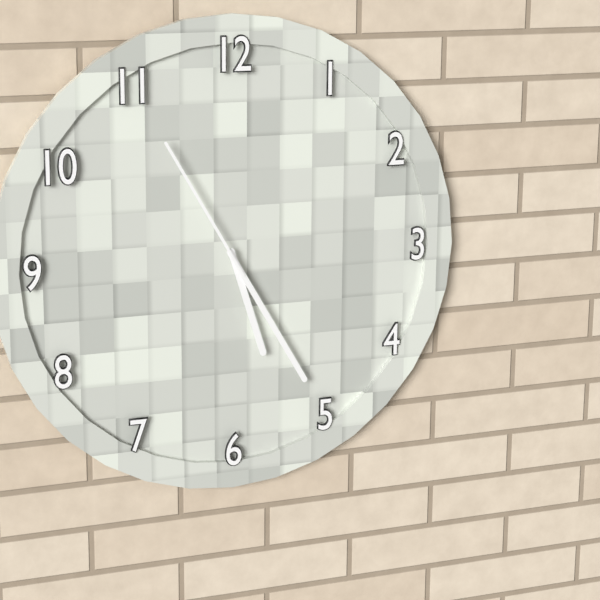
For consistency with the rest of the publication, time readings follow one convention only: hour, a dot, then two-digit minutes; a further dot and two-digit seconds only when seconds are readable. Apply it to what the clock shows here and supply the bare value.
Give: 5.25.55
